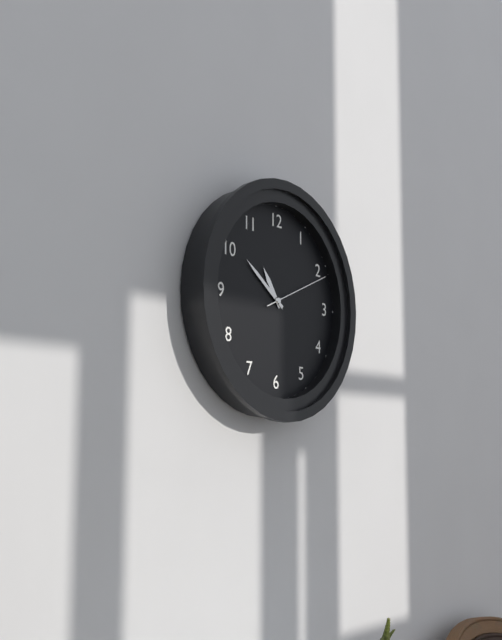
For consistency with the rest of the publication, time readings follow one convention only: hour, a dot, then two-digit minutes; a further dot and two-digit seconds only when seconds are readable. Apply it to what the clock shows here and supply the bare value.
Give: 10.51.11
